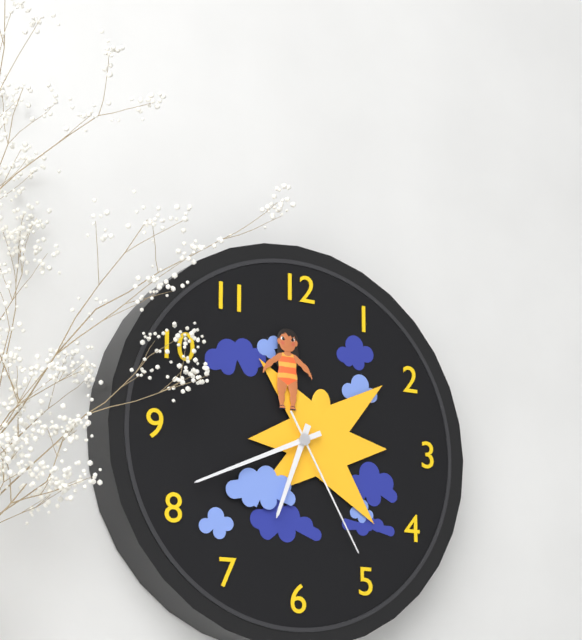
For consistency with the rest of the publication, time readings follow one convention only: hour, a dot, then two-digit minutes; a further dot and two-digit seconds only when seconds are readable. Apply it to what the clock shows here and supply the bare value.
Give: 6.41.25
